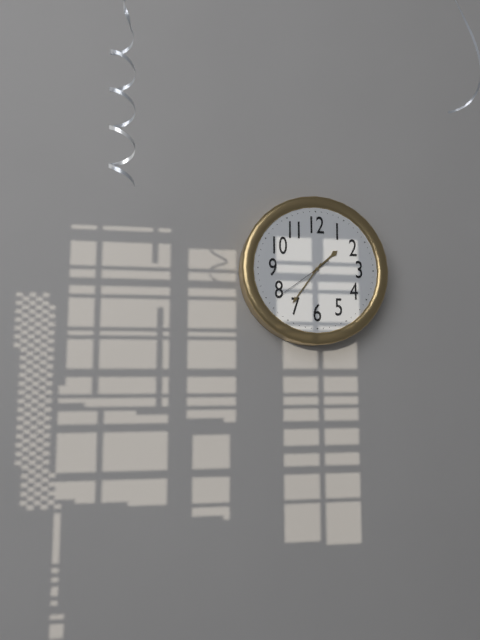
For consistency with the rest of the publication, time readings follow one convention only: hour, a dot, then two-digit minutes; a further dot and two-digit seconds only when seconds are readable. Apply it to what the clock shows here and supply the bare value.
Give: 1.36.39
